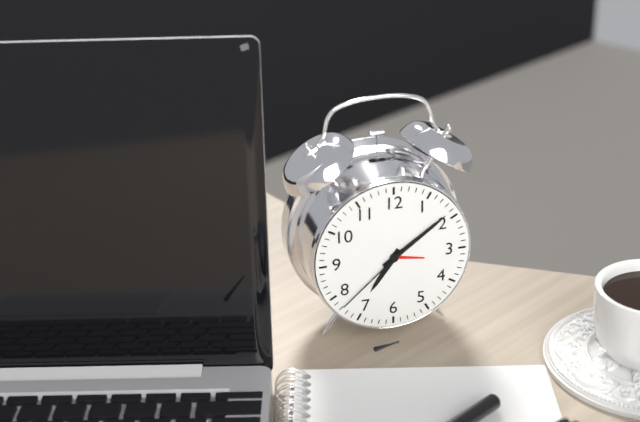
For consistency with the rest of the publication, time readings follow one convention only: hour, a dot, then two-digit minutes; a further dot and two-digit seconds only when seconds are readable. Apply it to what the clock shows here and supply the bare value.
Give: 7.09.38
